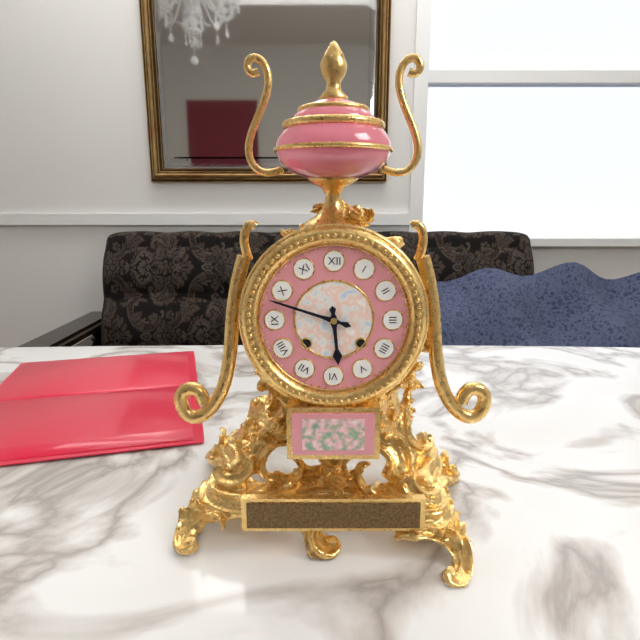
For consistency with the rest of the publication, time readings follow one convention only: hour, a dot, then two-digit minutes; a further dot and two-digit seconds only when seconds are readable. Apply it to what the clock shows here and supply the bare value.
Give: 5.48
